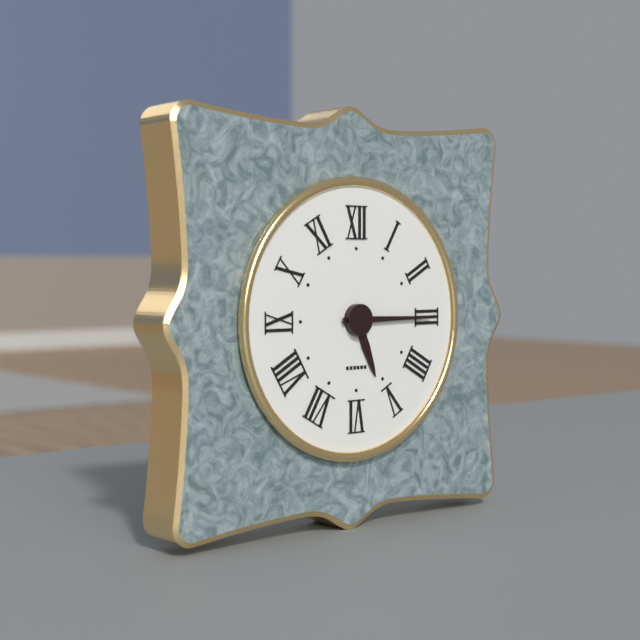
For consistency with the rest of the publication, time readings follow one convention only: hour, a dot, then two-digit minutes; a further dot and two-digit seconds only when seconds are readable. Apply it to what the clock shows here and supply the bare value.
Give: 5.15
